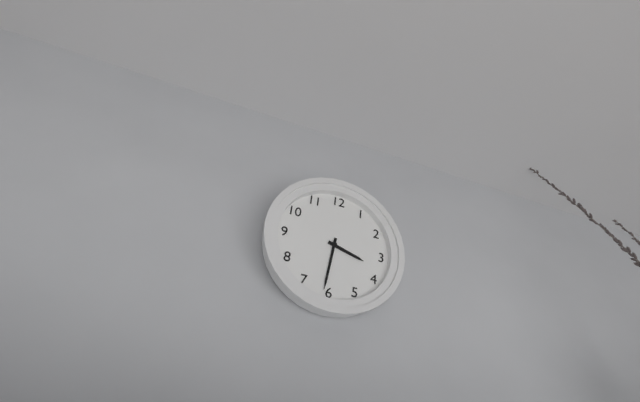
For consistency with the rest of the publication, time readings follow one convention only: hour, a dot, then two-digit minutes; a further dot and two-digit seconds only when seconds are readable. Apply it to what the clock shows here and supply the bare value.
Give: 3.31
